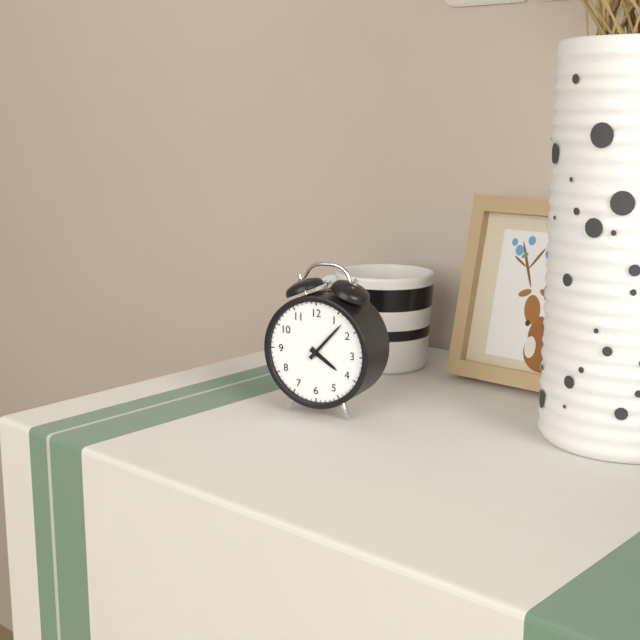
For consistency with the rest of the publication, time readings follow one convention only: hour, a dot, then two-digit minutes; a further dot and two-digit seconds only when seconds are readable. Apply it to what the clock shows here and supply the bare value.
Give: 4.07
